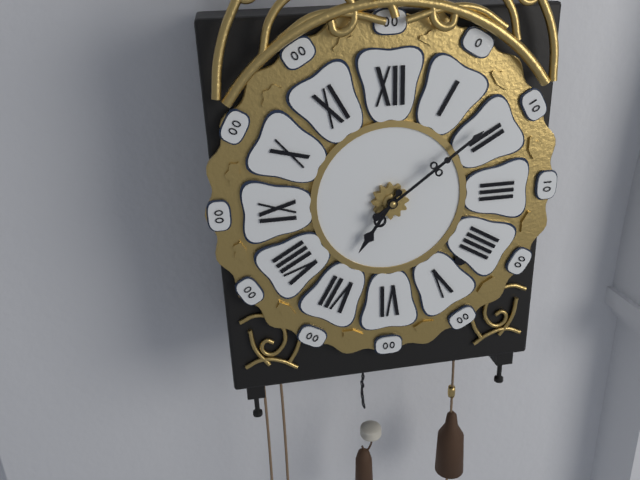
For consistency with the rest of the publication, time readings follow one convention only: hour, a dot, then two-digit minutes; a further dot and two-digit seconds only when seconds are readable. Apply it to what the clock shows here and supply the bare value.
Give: 7.09
